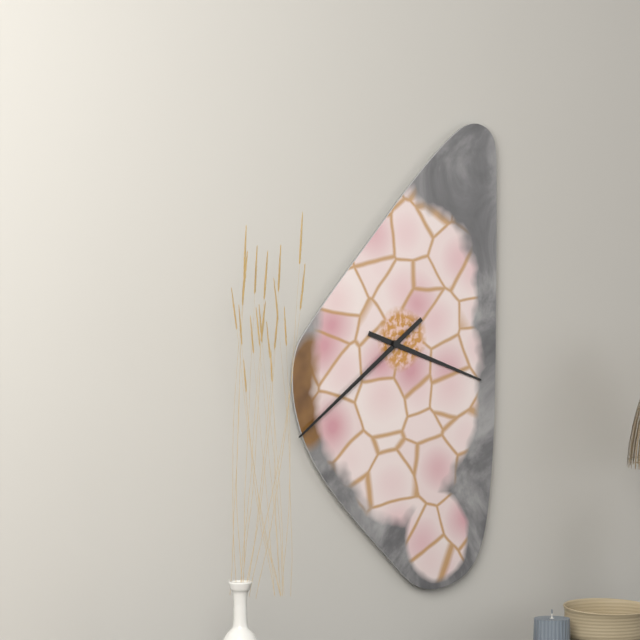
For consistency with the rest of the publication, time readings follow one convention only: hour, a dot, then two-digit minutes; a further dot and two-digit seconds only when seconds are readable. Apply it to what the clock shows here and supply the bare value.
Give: 3.39
